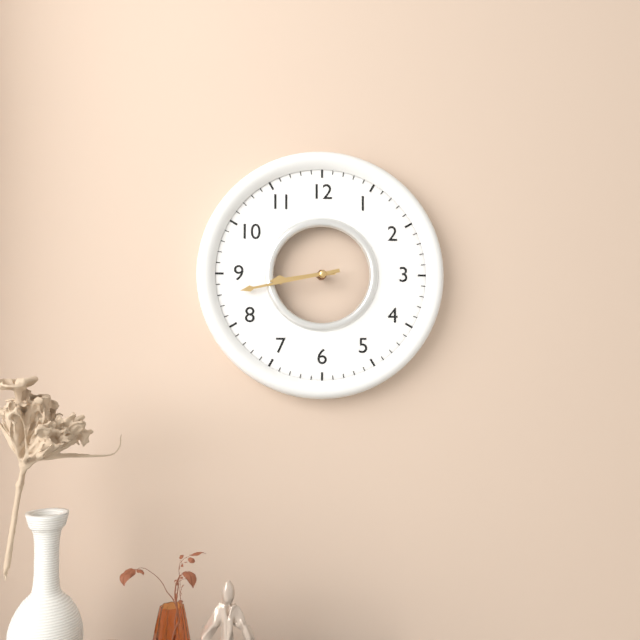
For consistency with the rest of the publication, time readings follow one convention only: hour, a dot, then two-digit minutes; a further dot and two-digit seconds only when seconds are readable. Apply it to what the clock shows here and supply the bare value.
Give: 8.43
